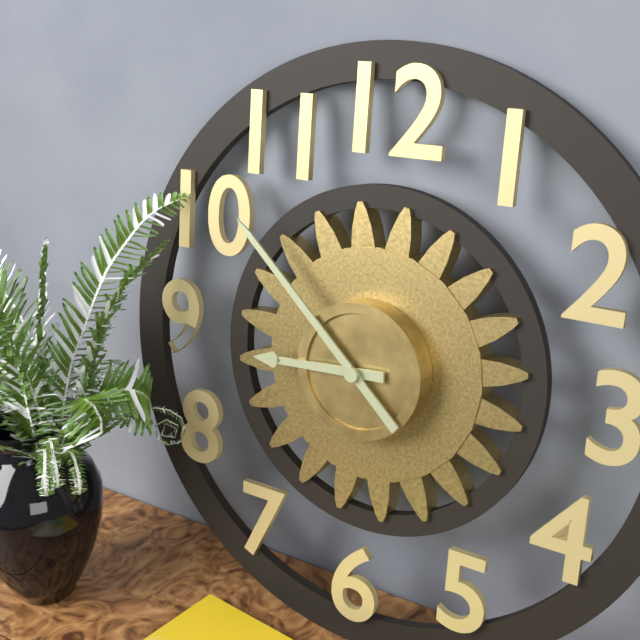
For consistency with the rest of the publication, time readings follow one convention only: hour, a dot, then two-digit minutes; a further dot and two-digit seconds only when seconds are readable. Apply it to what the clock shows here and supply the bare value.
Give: 8.52
